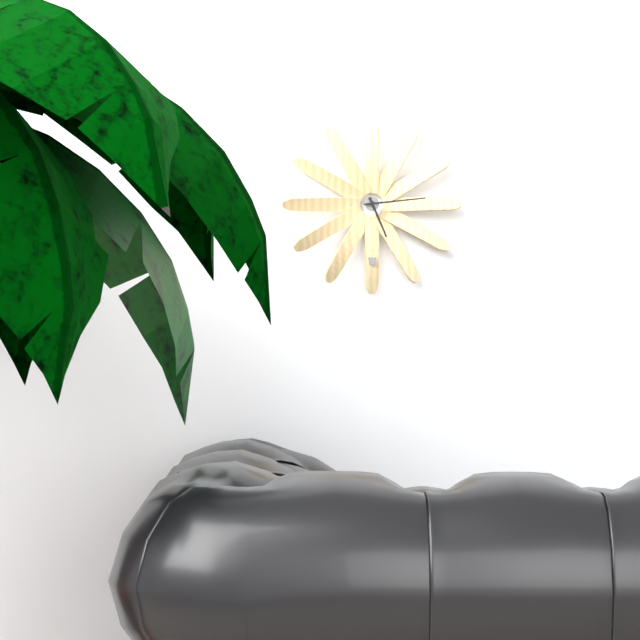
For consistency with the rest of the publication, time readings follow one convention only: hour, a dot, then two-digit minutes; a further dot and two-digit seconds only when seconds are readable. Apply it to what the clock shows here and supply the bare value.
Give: 5.14
